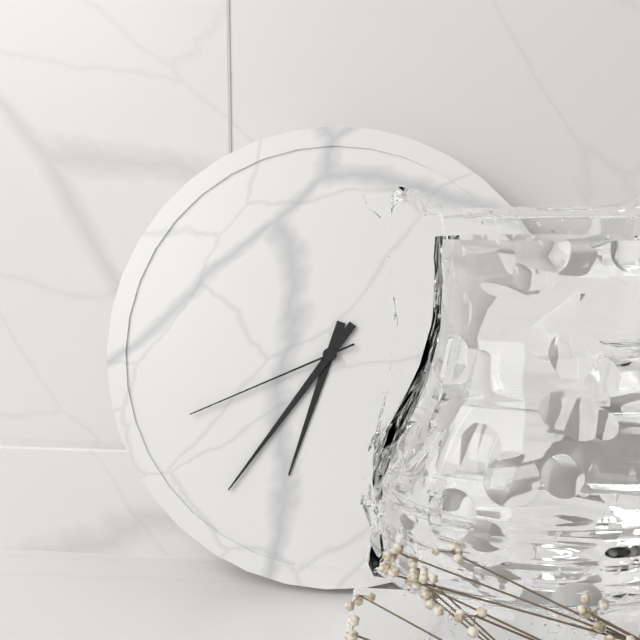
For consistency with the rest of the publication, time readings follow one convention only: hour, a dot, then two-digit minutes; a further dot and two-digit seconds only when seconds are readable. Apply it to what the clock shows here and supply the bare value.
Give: 6.36.41
